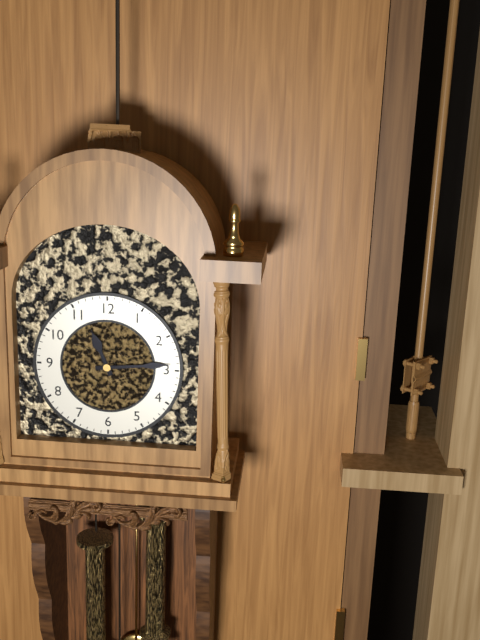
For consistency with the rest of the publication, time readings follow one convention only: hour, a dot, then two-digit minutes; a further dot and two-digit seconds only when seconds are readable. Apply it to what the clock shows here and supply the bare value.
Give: 11.14
